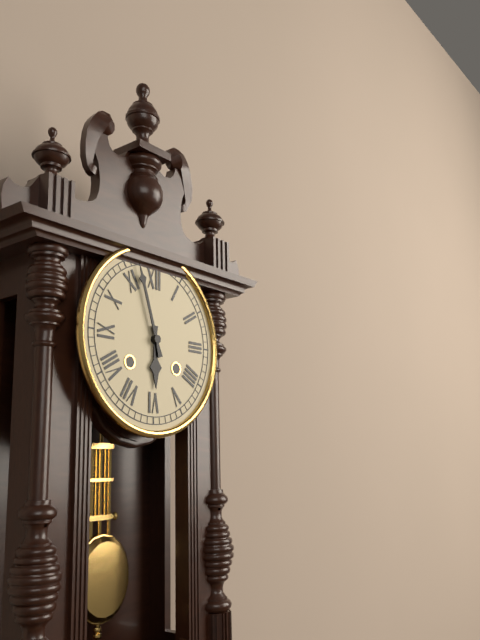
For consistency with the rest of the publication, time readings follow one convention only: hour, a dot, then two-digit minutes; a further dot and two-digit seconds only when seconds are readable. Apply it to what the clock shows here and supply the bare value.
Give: 5.57
